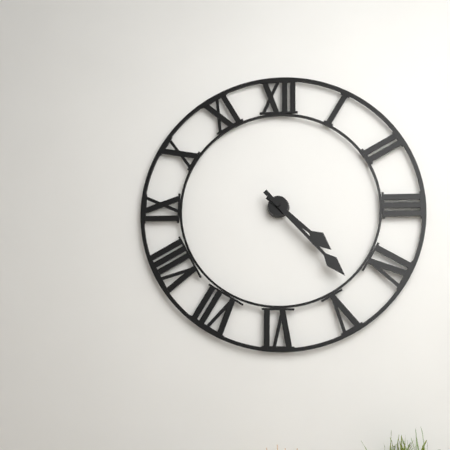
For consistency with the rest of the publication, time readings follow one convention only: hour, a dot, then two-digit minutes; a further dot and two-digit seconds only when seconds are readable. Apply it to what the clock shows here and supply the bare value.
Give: 4.23
